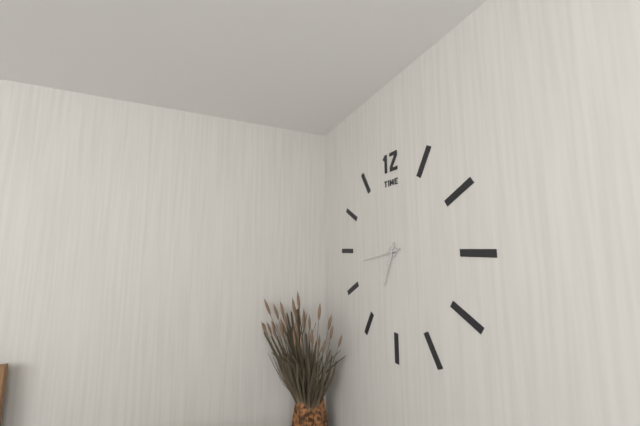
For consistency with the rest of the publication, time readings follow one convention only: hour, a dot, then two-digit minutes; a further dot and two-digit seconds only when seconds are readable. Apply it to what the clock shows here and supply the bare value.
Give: 6.43
